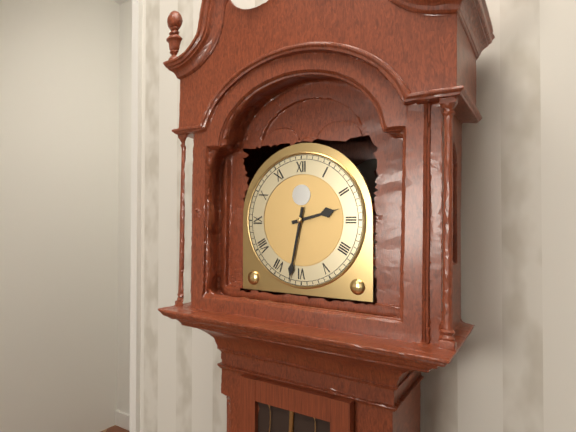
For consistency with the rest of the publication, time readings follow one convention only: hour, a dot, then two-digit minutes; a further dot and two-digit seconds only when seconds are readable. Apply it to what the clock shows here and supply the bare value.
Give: 2.32
